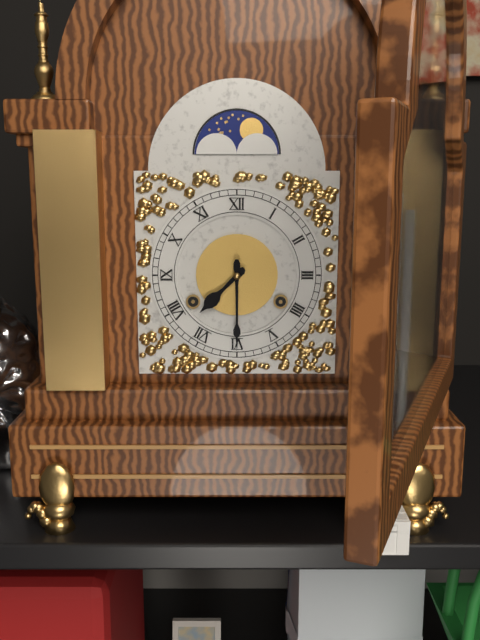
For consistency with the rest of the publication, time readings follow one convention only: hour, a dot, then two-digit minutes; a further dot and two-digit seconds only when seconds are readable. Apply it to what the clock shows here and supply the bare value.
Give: 7.30
